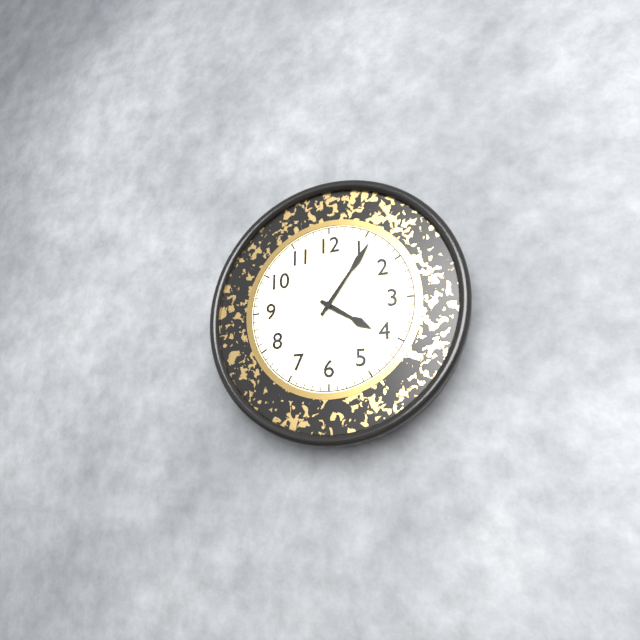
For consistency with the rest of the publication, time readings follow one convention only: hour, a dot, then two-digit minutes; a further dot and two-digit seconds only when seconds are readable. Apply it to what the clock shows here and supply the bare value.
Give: 4.06
